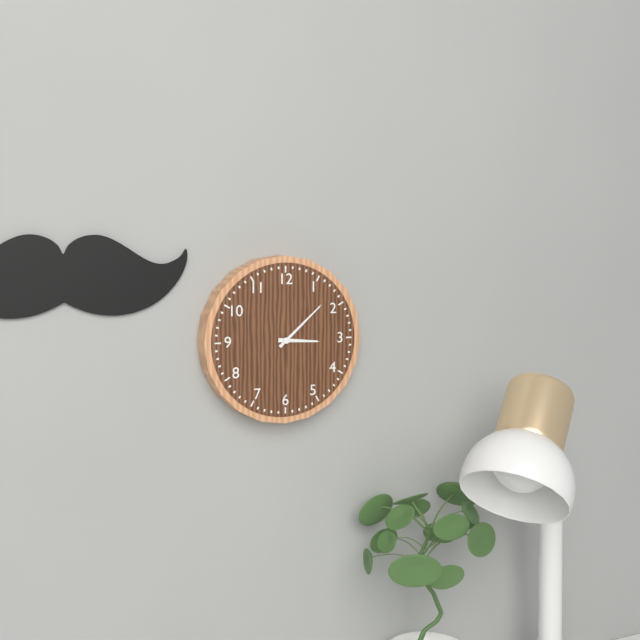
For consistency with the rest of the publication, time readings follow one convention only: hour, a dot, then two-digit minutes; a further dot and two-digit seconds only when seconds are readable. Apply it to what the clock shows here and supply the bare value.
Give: 3.08
